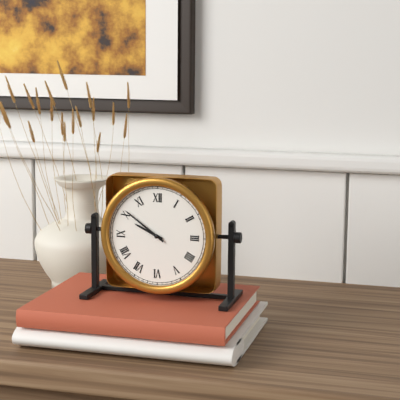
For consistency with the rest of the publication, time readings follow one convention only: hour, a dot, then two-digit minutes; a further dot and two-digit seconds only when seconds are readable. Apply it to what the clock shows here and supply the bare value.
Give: 9.51
